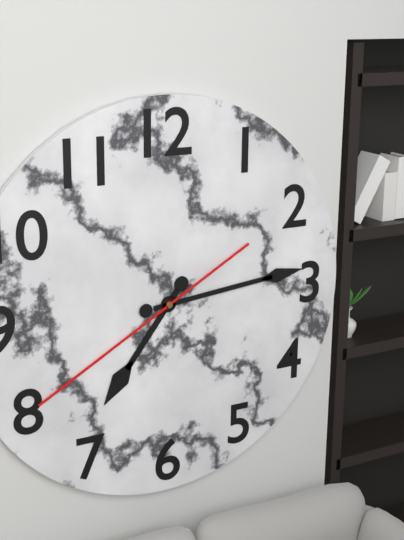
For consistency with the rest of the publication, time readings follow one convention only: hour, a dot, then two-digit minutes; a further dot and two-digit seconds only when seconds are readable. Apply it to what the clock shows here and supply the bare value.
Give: 7.14.40
